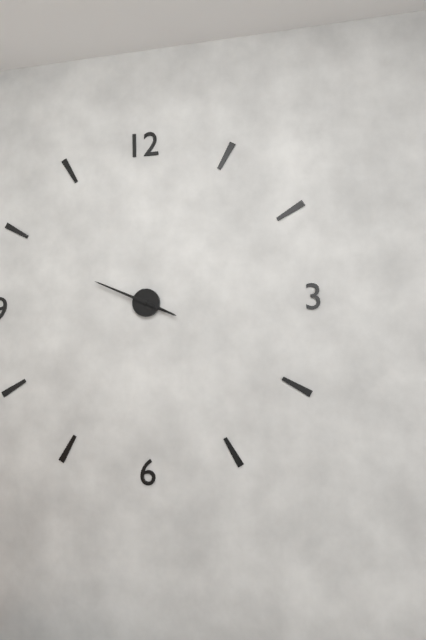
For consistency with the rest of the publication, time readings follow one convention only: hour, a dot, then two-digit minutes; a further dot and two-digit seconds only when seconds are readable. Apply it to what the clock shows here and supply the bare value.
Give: 3.49
